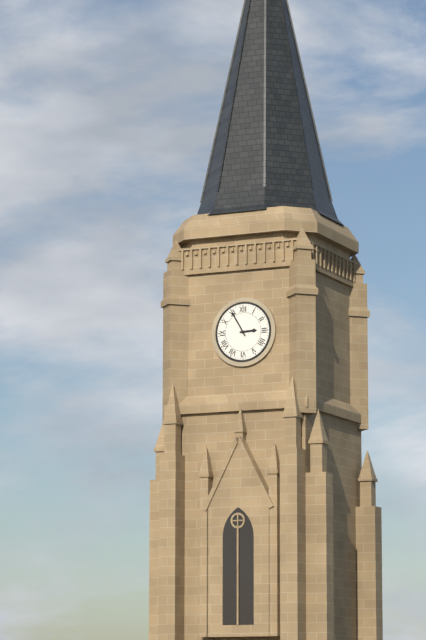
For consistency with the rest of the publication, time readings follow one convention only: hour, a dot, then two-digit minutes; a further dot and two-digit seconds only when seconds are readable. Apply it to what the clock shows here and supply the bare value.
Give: 2.55
